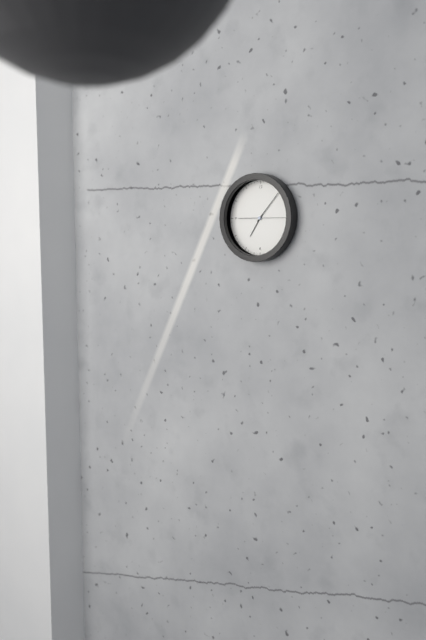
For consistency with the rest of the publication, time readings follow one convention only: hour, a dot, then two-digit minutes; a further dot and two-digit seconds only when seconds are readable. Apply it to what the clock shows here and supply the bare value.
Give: 7.07
